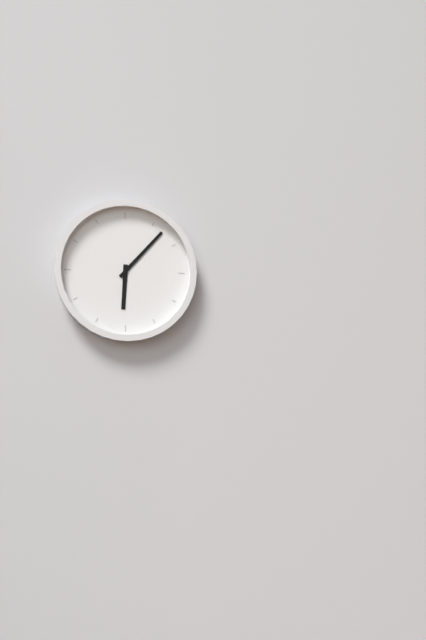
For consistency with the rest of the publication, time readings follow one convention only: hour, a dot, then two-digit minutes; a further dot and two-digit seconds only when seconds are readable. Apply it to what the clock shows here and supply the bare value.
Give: 6.07
